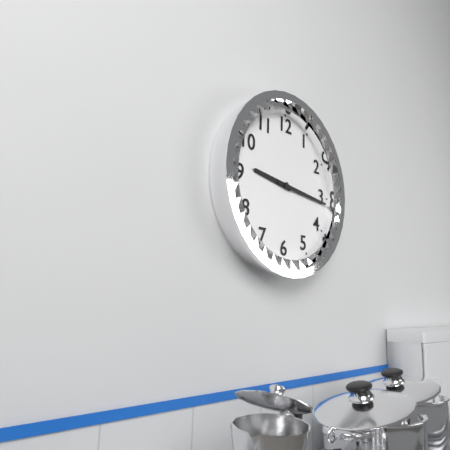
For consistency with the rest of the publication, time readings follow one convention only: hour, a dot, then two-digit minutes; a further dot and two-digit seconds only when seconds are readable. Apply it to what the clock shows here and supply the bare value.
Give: 9.16
